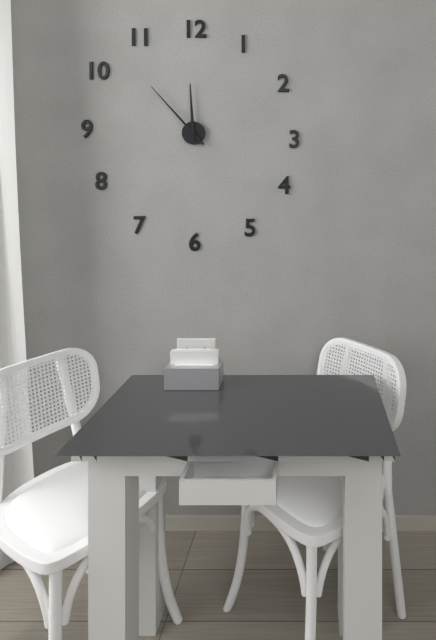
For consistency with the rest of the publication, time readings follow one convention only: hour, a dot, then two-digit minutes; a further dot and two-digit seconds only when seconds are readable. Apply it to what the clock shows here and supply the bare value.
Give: 11.53
